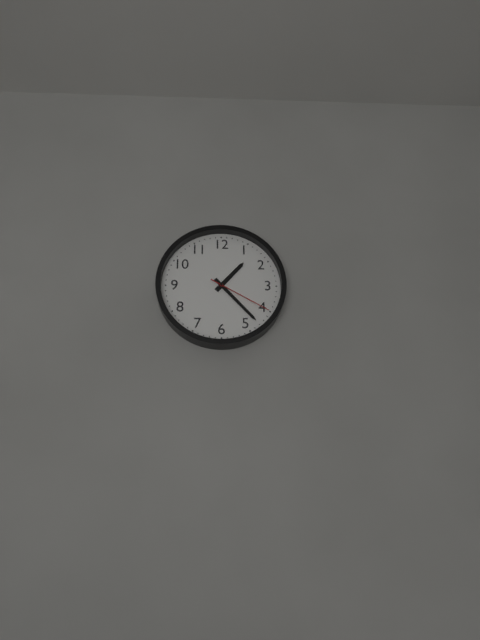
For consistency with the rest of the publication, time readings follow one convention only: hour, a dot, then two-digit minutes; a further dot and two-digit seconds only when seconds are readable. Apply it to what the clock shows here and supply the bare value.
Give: 1.23.20
